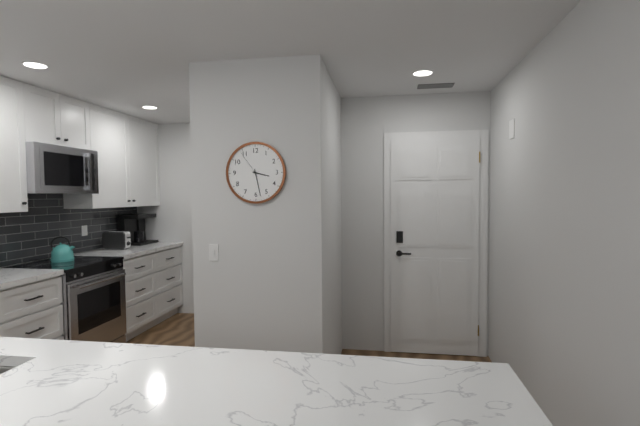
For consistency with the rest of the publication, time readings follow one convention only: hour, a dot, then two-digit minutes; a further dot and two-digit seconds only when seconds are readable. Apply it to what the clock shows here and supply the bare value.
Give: 3.28
